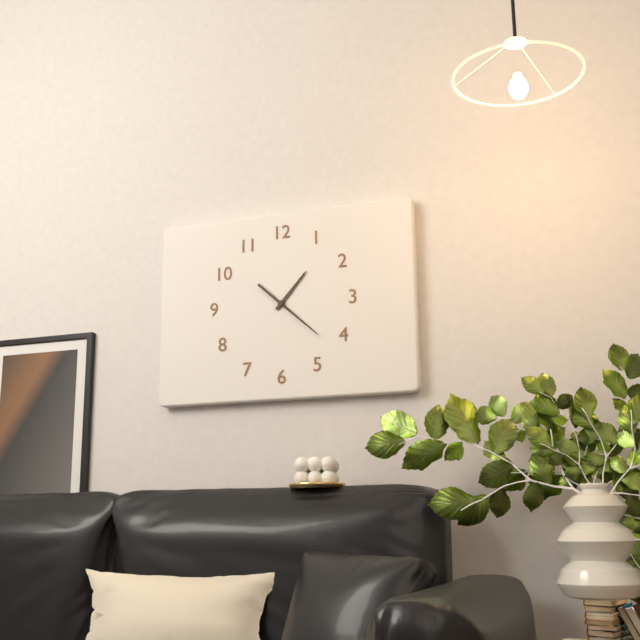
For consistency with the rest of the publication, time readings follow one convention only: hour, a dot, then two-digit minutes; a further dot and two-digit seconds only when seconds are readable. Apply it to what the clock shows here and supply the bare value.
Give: 1.22
